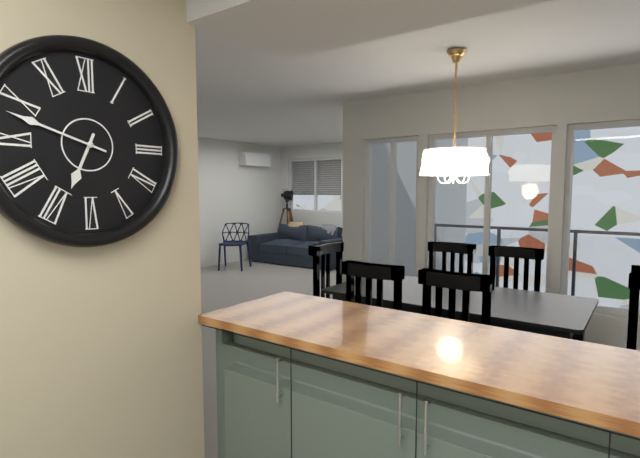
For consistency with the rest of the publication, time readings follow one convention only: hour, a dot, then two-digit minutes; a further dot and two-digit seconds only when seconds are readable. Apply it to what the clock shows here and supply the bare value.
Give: 6.48
